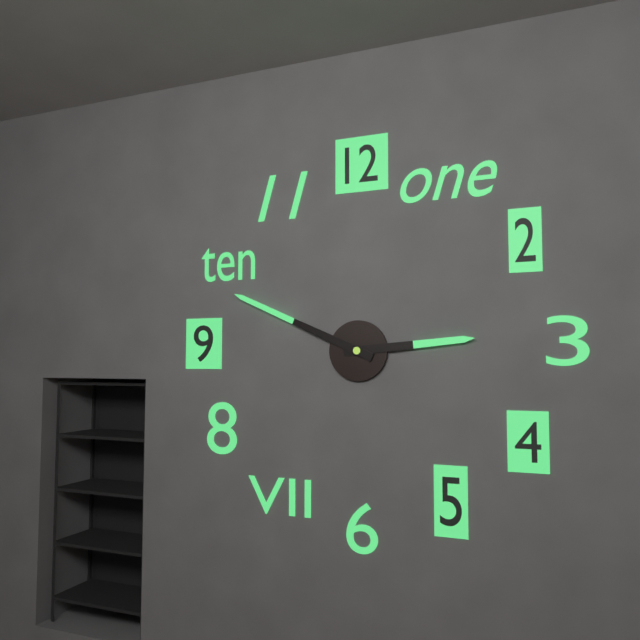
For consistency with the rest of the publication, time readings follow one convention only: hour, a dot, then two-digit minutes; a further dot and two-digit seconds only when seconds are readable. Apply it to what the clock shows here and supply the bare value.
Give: 2.49
